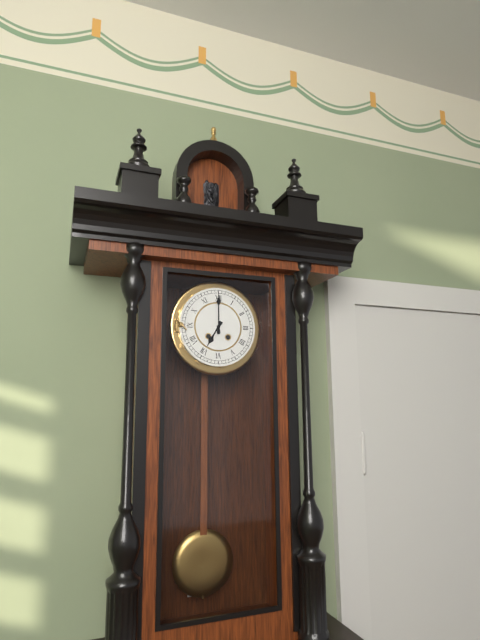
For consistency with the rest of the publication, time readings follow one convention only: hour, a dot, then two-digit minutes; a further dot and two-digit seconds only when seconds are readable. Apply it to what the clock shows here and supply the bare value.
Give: 7.00
